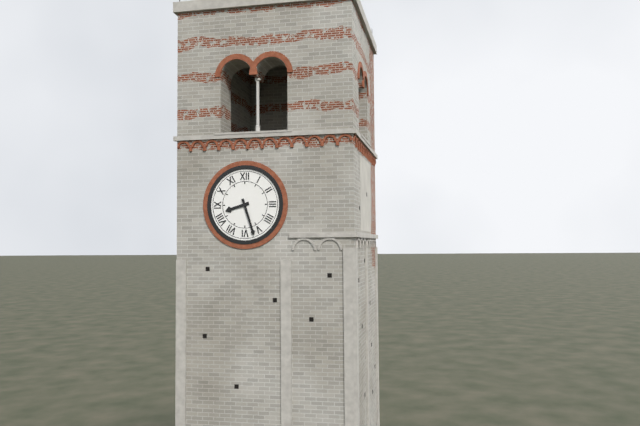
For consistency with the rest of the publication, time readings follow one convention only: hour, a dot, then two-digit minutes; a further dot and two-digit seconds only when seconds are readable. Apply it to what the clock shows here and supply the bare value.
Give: 8.27
